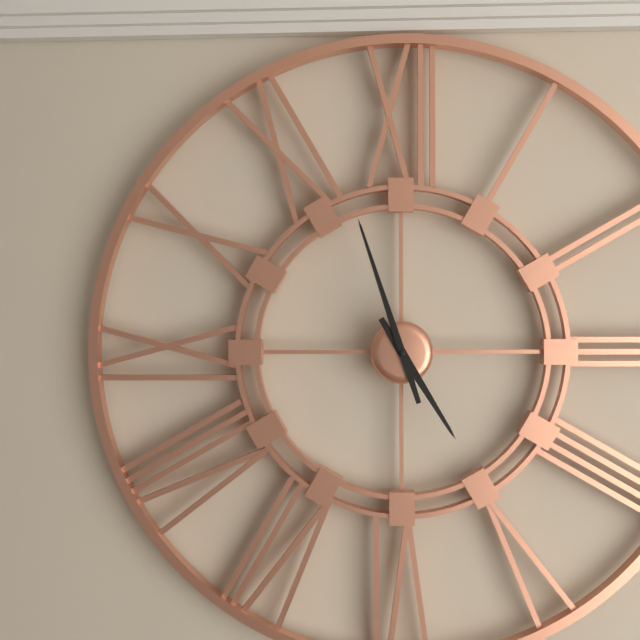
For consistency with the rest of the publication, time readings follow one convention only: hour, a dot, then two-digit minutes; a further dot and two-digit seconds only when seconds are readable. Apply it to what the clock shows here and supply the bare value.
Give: 4.57
